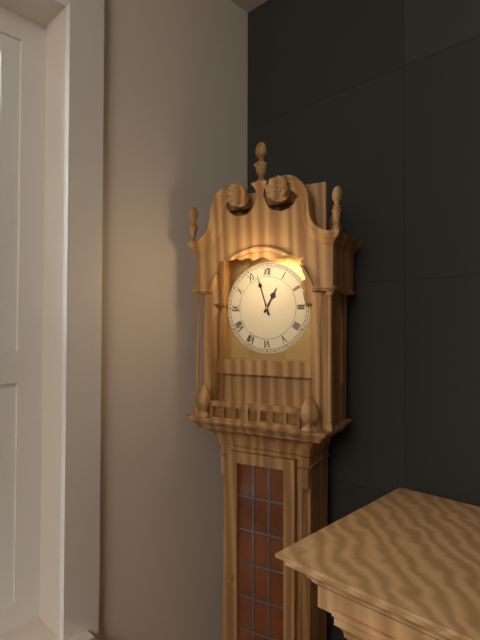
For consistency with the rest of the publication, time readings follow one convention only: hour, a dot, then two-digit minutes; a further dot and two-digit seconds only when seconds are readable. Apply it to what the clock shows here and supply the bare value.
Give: 12.57
